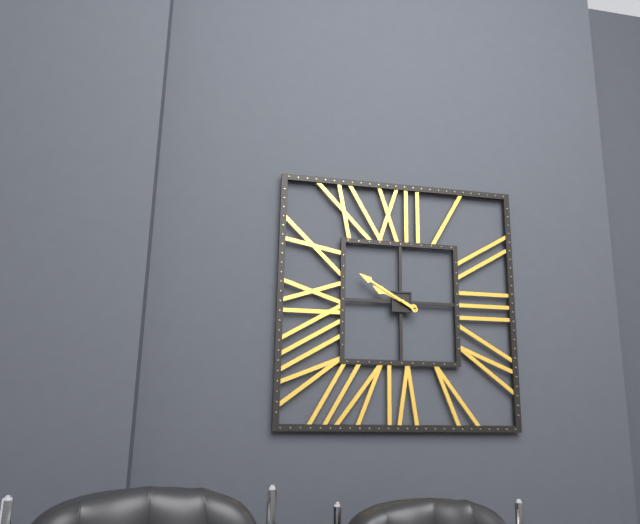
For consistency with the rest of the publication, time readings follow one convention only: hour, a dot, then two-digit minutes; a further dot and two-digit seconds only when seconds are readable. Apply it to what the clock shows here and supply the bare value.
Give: 9.50
